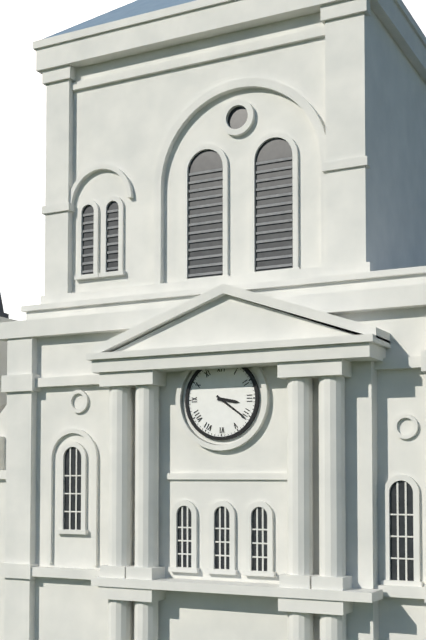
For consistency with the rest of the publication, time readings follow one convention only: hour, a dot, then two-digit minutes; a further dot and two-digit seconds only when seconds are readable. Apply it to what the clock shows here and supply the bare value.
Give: 3.21
